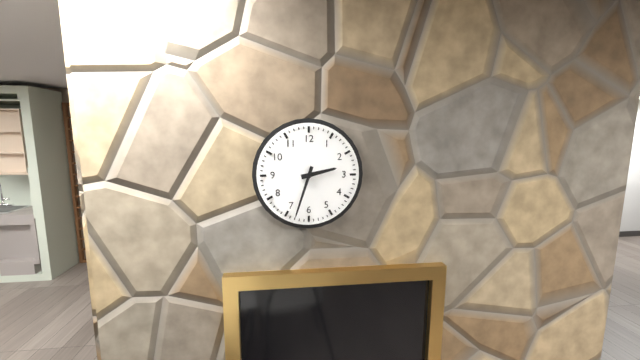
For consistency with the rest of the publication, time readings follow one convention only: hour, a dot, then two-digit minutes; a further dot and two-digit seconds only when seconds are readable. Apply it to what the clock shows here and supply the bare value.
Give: 2.33
